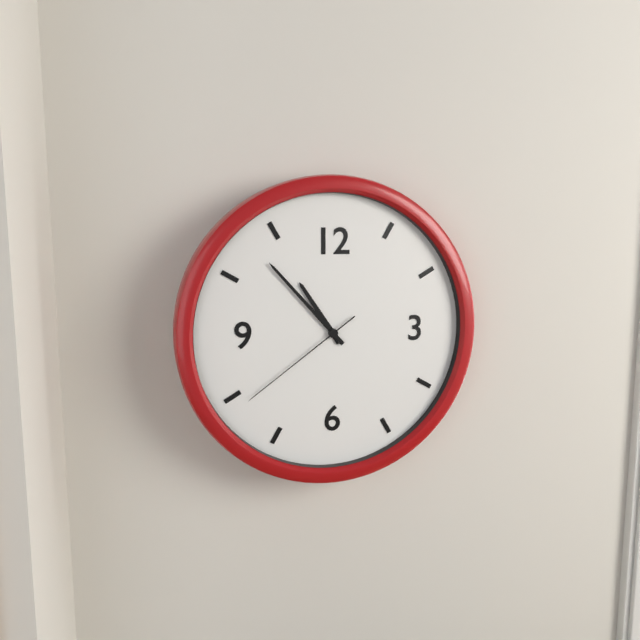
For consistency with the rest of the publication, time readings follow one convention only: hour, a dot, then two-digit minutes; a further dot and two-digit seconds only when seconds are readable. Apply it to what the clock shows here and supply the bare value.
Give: 10.53.39
